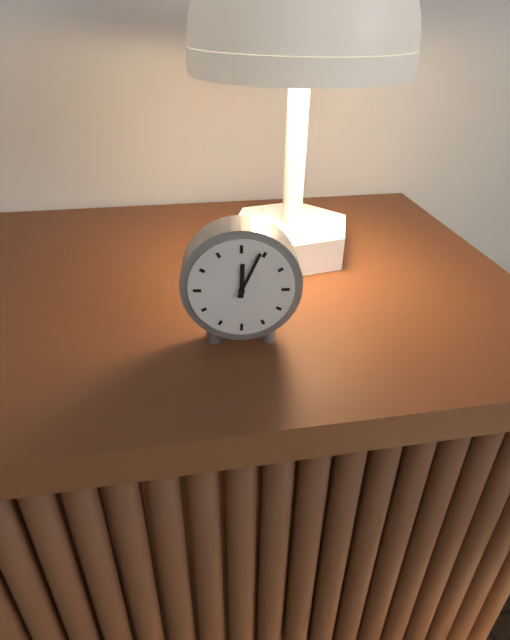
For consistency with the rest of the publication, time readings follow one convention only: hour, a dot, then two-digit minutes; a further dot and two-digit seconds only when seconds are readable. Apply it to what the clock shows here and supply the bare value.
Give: 12.04
